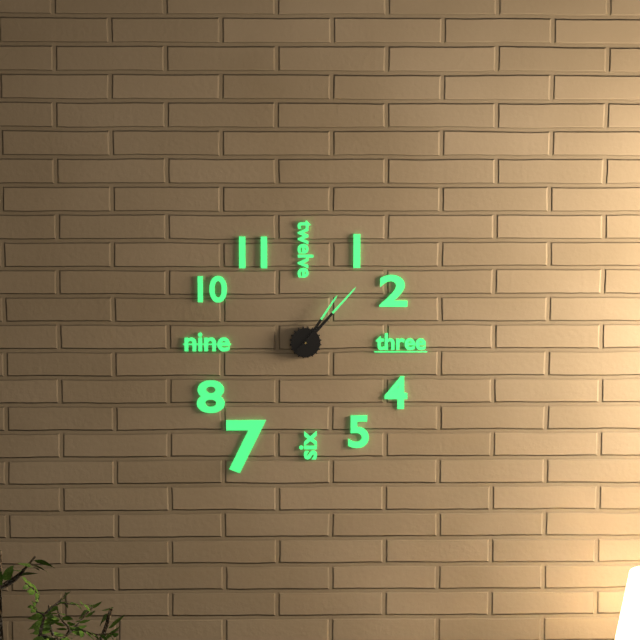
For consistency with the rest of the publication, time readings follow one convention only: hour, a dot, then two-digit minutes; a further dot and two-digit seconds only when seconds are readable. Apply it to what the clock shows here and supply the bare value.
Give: 1.07
